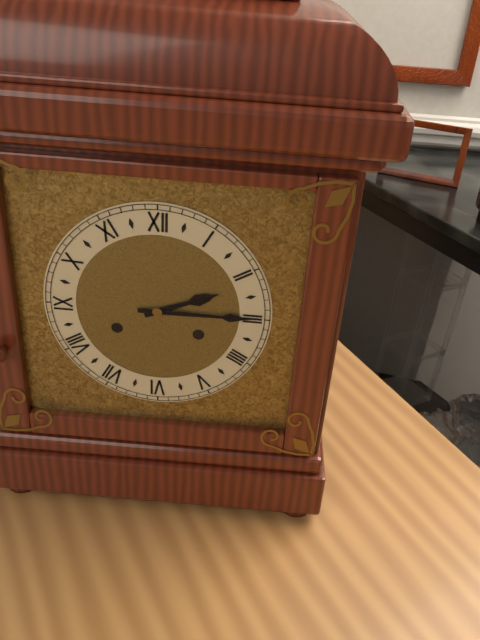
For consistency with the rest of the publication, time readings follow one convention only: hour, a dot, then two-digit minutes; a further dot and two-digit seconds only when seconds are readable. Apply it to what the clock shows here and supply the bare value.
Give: 2.15
